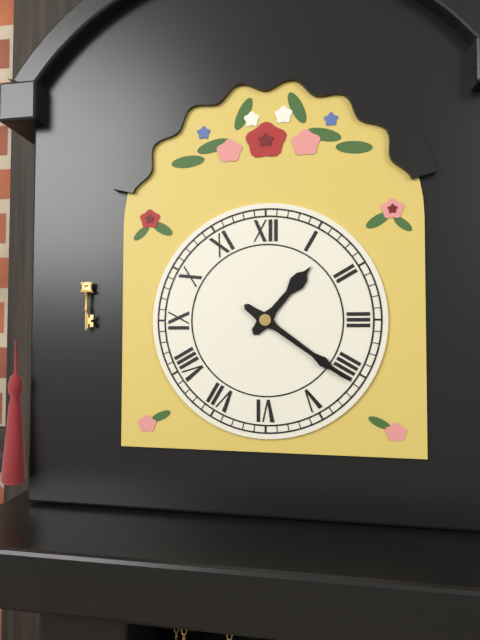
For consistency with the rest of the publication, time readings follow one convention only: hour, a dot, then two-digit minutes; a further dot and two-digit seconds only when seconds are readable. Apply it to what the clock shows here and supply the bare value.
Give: 1.21
